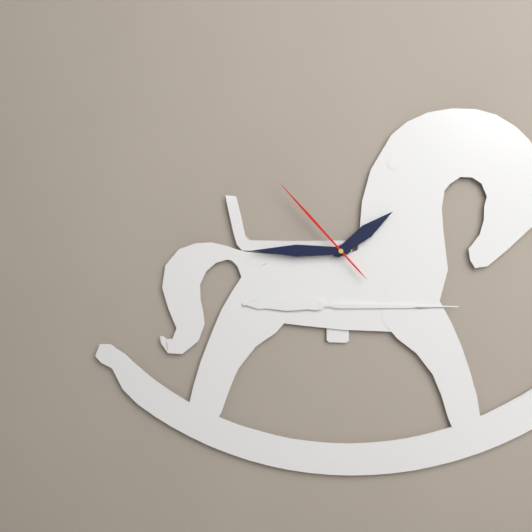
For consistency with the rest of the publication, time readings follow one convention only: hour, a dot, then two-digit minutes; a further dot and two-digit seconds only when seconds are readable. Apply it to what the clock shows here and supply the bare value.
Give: 1.45.53
